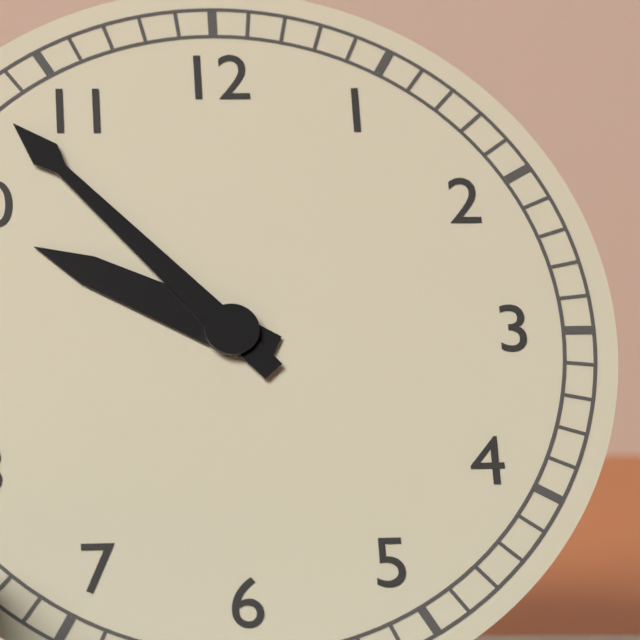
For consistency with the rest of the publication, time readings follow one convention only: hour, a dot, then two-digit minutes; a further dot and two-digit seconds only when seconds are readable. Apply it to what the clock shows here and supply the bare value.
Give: 9.53
